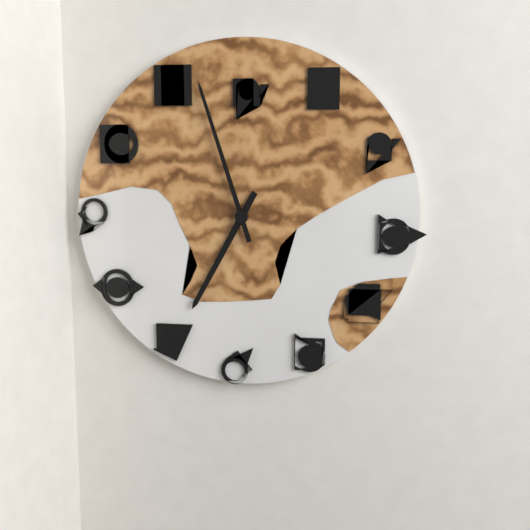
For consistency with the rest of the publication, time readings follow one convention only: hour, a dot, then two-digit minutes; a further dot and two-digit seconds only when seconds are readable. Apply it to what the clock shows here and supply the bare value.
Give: 6.57
